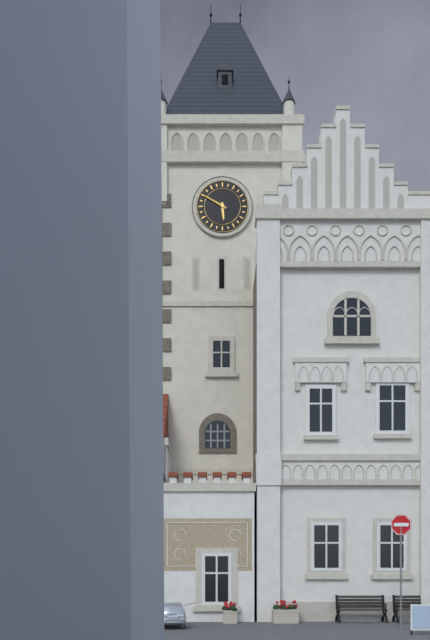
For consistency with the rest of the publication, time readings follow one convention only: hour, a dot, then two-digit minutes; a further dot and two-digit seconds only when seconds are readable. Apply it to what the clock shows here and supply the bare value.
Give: 5.50
